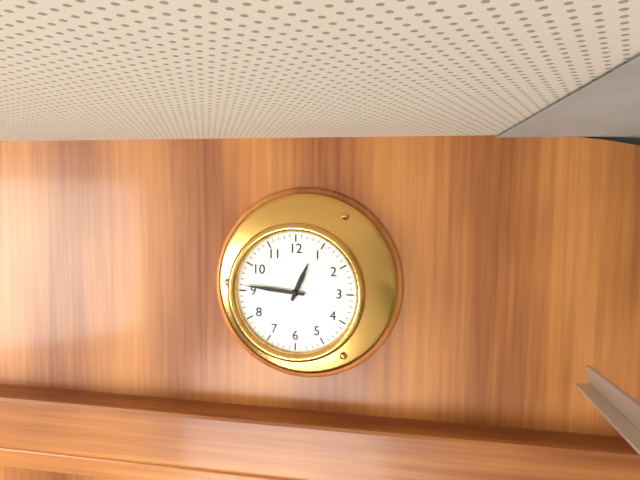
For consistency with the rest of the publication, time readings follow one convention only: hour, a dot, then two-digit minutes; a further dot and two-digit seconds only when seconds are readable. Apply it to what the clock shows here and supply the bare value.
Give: 12.46
